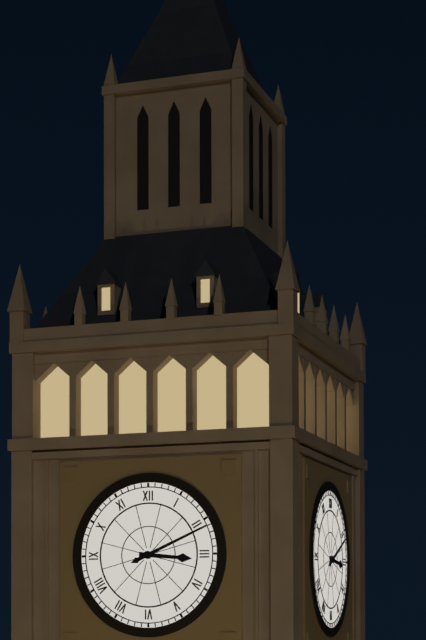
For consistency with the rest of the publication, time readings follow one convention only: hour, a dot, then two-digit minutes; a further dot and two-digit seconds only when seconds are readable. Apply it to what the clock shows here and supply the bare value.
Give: 3.11
